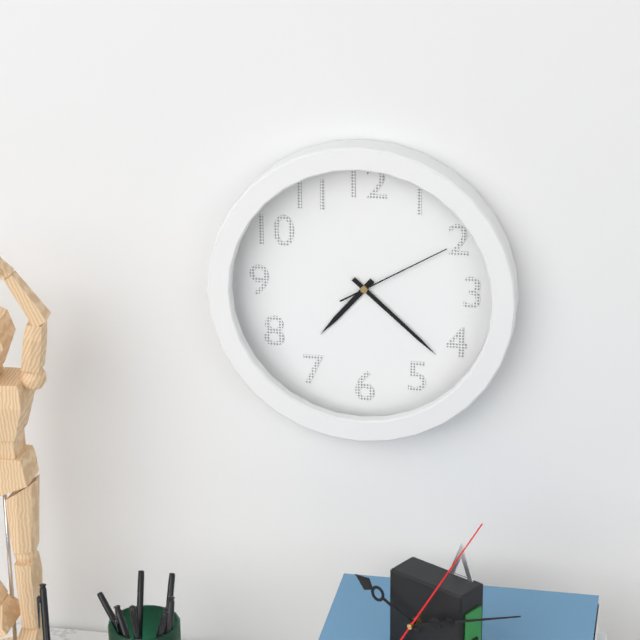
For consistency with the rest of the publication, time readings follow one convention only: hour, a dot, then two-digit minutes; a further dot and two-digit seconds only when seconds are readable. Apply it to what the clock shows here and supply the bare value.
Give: 7.22.10
